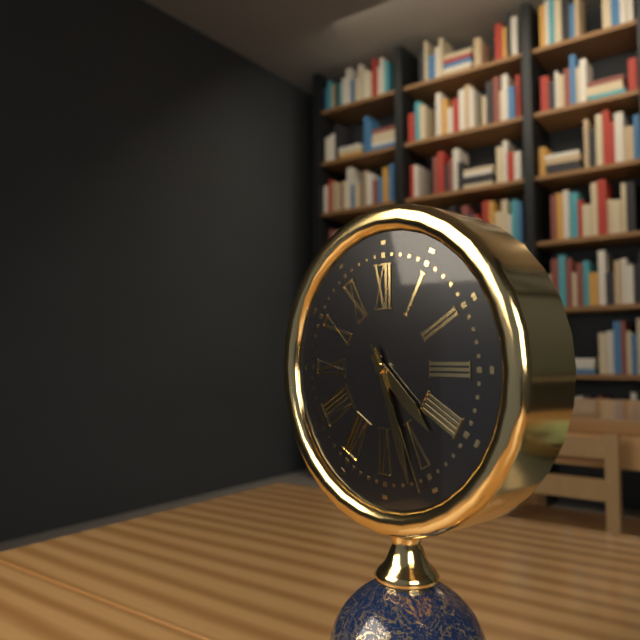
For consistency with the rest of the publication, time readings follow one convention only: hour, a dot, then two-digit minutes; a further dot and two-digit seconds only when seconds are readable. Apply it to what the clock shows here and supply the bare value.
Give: 4.27.26
